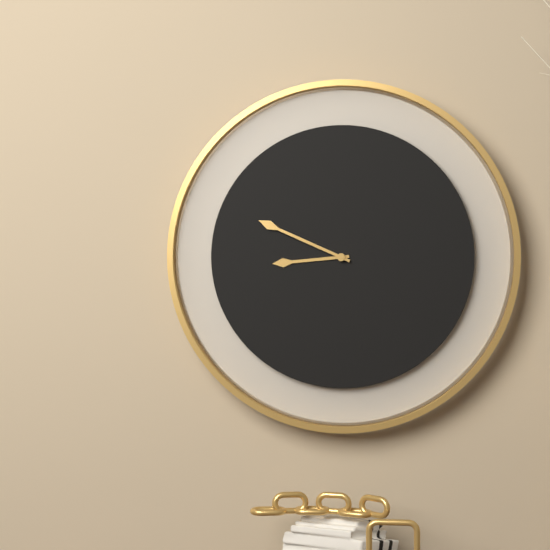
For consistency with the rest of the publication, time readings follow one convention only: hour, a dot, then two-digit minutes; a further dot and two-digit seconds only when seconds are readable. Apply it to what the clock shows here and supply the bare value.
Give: 8.49
